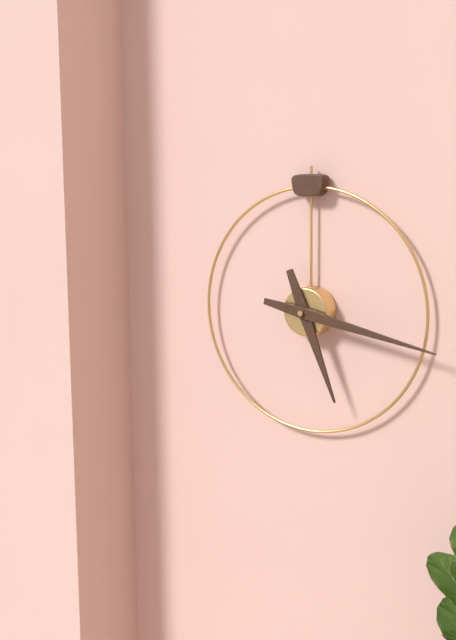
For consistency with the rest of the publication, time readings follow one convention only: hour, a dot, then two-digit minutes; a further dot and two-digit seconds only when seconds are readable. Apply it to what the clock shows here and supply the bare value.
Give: 5.17
